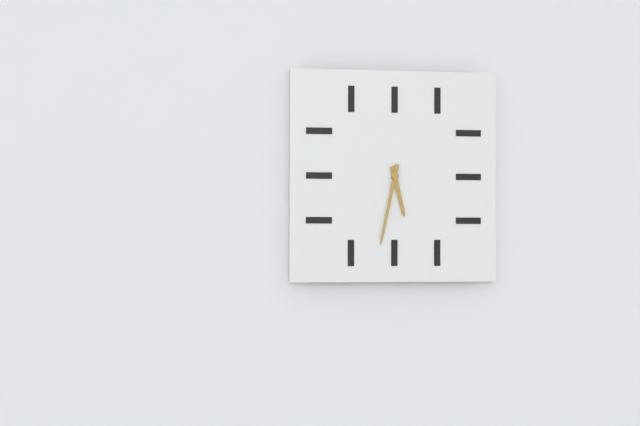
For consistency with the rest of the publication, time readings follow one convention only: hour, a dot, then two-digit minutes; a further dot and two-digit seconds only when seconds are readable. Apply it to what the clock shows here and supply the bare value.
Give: 5.32
